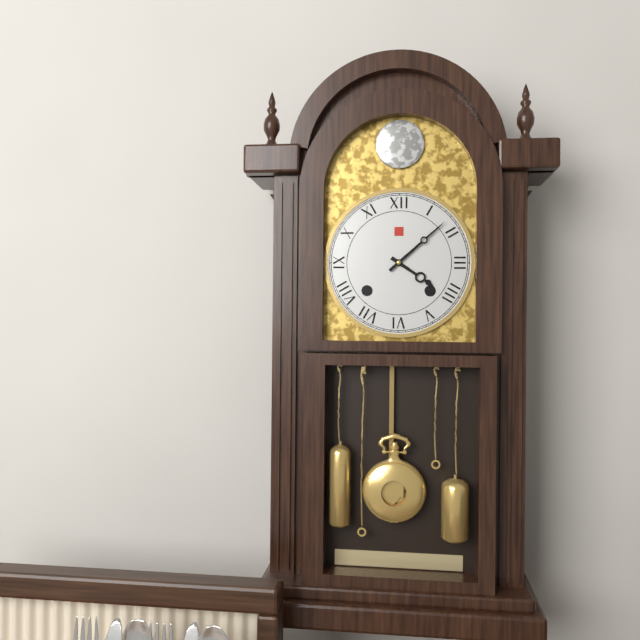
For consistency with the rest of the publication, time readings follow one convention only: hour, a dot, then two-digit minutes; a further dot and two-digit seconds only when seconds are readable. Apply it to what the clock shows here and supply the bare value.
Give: 4.08
